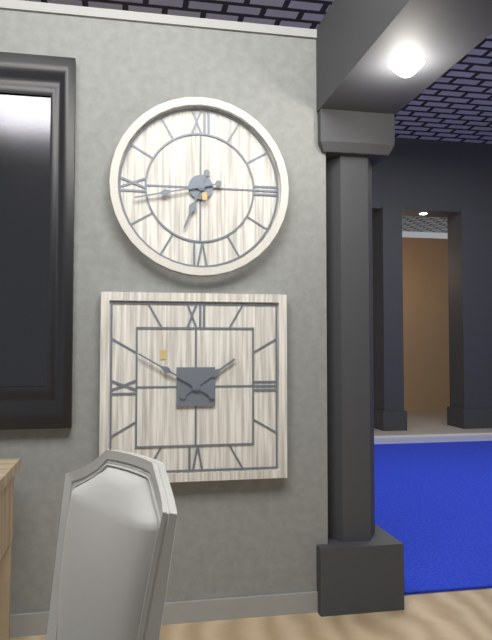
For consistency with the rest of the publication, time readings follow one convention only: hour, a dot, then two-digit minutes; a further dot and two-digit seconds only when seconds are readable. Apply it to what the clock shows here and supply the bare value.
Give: 6.43
